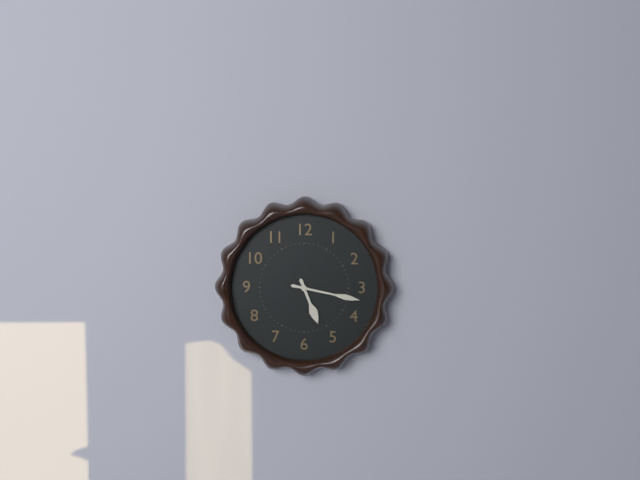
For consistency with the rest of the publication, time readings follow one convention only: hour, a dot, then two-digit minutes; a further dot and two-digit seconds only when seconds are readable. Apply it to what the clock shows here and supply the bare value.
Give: 5.17
